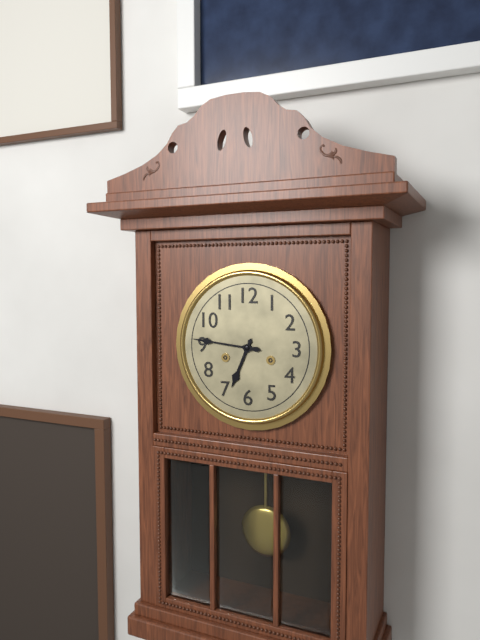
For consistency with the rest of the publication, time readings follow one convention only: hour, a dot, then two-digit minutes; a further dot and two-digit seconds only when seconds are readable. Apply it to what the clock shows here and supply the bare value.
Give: 6.46
